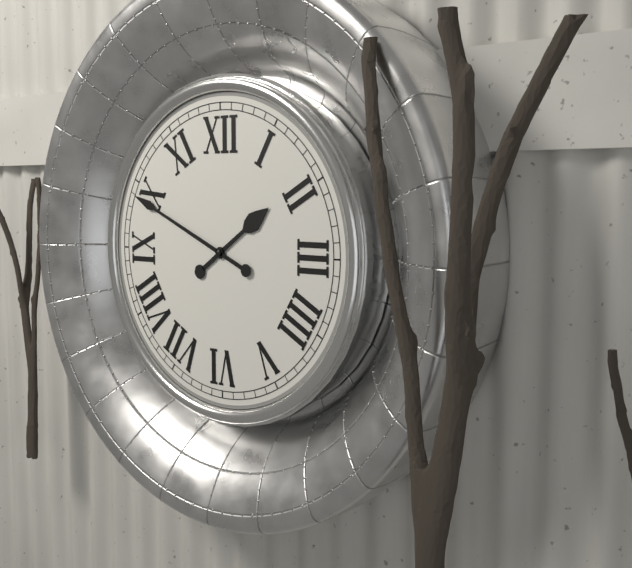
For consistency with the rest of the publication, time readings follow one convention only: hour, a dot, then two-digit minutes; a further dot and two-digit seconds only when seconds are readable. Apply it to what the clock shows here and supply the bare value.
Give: 1.49
